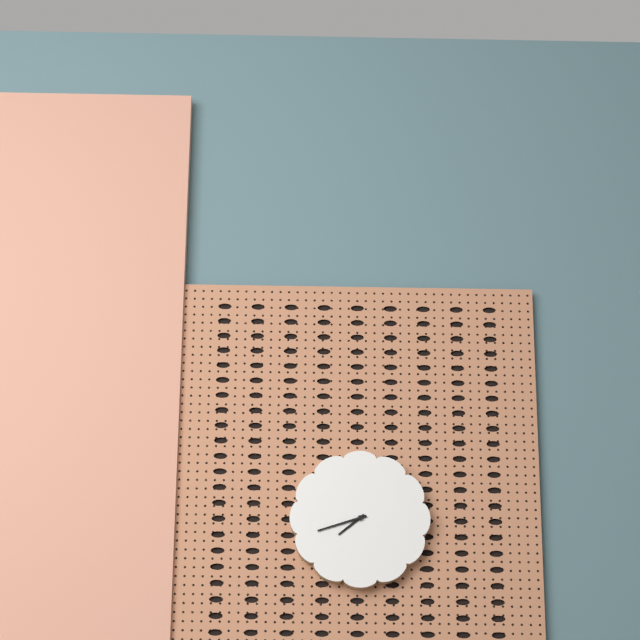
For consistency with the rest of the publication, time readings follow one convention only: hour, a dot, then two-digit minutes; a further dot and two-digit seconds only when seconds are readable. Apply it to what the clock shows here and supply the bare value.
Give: 7.42
